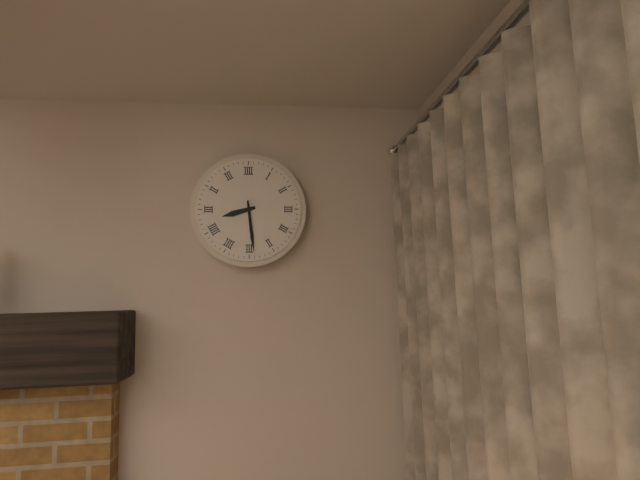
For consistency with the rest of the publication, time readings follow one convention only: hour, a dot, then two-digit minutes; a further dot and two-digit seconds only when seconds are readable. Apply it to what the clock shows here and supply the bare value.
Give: 8.29
